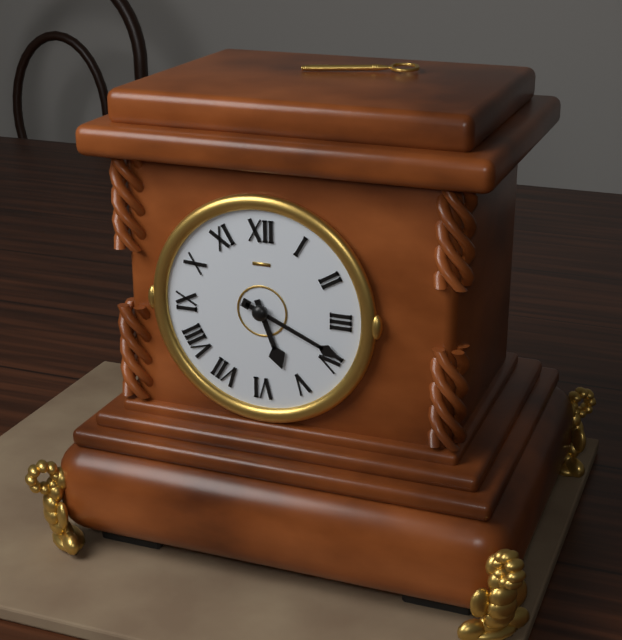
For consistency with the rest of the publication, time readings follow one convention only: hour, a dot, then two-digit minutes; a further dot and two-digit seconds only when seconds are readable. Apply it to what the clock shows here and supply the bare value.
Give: 5.19
